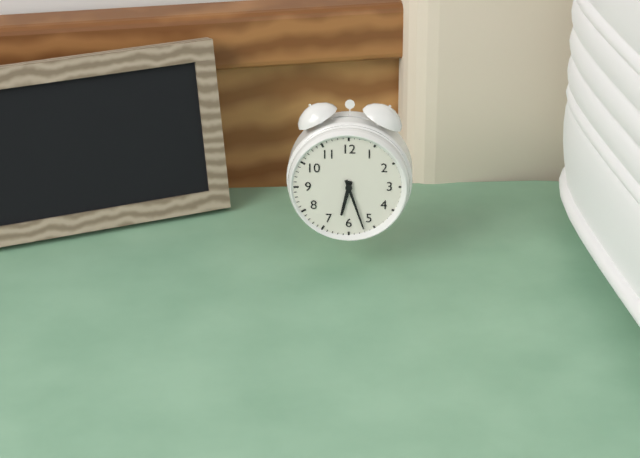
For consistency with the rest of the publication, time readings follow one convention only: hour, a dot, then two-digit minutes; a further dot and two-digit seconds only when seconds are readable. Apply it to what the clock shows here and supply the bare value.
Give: 6.27
